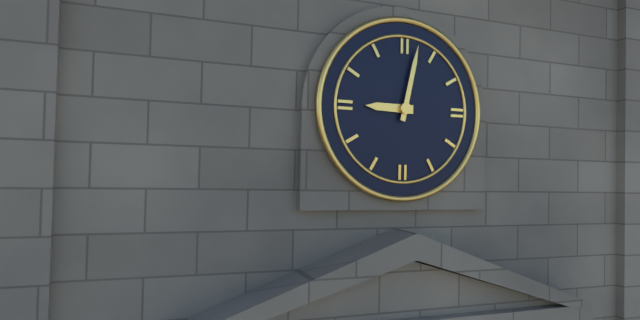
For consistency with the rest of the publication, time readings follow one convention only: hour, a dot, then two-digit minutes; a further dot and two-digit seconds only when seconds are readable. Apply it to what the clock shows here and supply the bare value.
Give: 9.02
